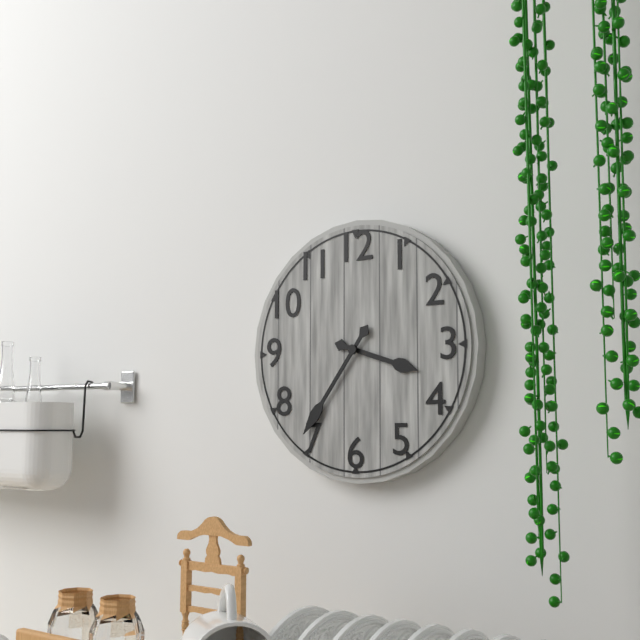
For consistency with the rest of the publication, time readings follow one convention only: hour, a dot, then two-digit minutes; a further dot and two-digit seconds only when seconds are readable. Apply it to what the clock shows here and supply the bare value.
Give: 3.36
